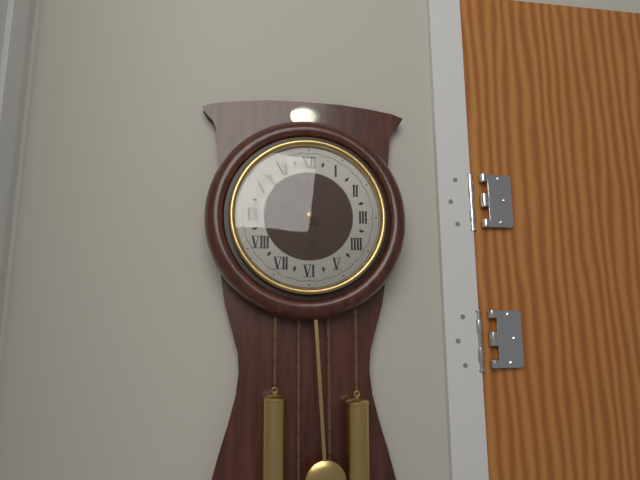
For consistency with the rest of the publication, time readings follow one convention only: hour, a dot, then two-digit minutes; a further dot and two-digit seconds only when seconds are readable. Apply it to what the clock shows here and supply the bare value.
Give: 5.52
